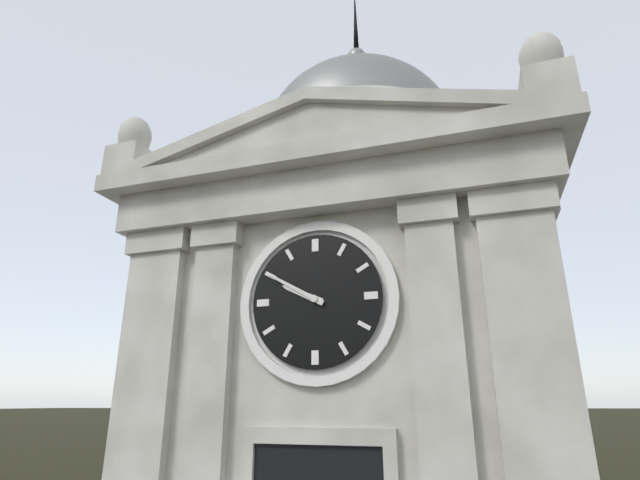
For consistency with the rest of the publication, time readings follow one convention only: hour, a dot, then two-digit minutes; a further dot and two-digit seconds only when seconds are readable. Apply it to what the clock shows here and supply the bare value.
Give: 9.50
